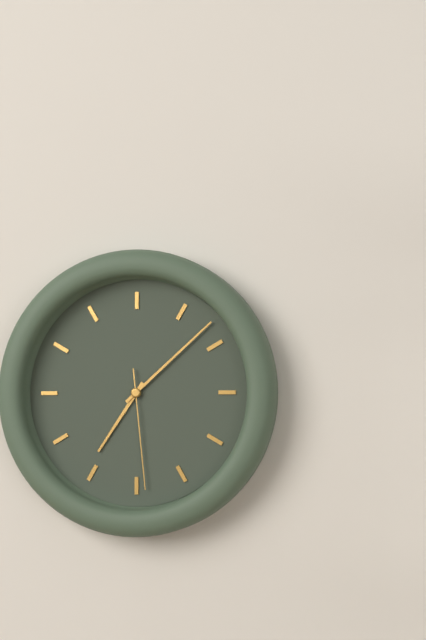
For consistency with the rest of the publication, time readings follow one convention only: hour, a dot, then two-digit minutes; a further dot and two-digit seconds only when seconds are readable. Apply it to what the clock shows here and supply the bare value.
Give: 7.08.29
